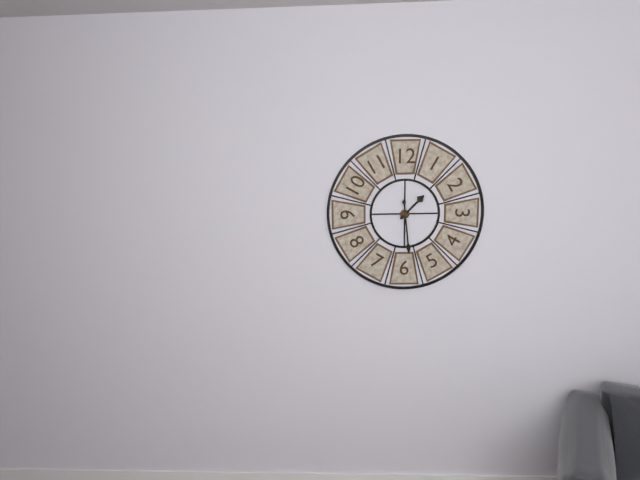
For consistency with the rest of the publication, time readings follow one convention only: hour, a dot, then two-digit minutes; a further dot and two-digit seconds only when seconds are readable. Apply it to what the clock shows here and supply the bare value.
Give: 1.29
